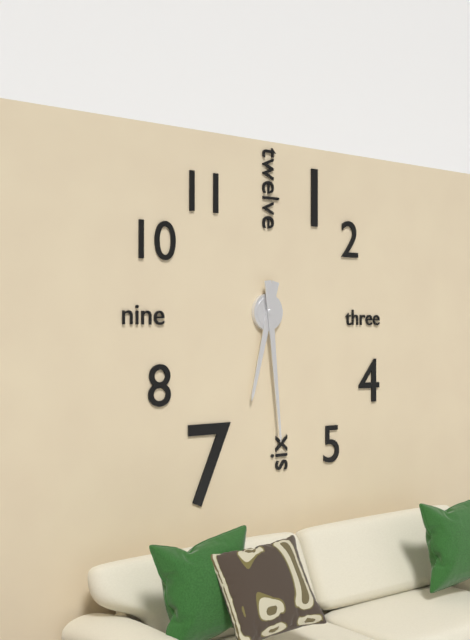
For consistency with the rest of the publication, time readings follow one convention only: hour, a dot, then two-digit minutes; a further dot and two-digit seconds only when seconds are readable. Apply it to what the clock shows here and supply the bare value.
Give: 6.29
